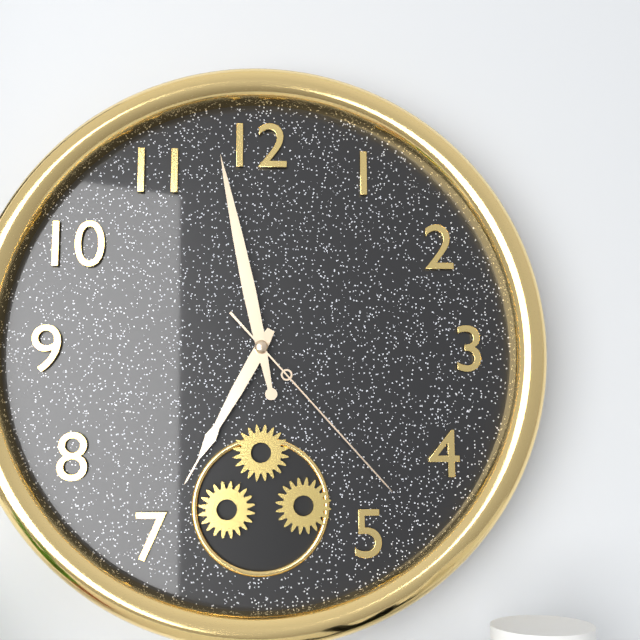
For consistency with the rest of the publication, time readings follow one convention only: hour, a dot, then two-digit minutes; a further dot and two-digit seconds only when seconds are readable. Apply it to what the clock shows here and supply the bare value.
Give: 6.58.23
